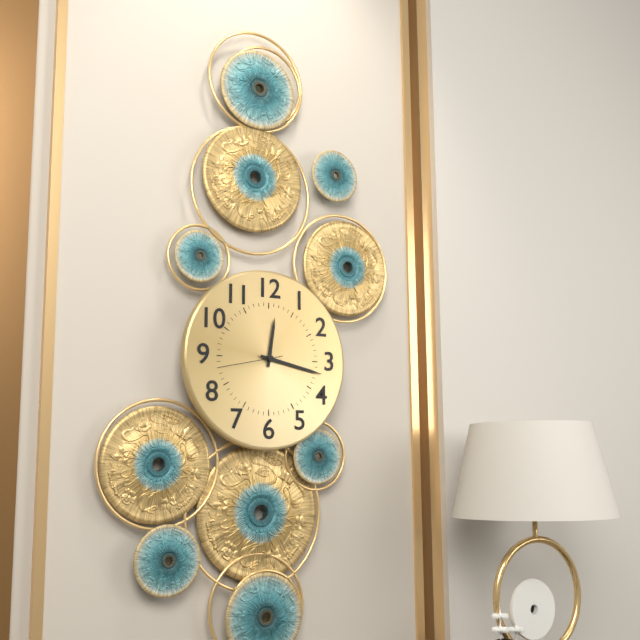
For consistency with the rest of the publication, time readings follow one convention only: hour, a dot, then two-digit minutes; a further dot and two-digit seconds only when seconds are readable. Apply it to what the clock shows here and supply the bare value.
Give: 12.17
